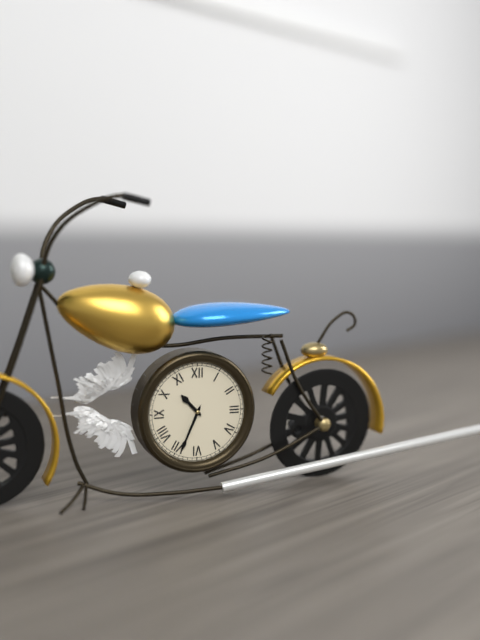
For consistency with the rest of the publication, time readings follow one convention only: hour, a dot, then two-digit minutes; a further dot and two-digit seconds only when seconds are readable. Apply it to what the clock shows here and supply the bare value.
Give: 10.34
